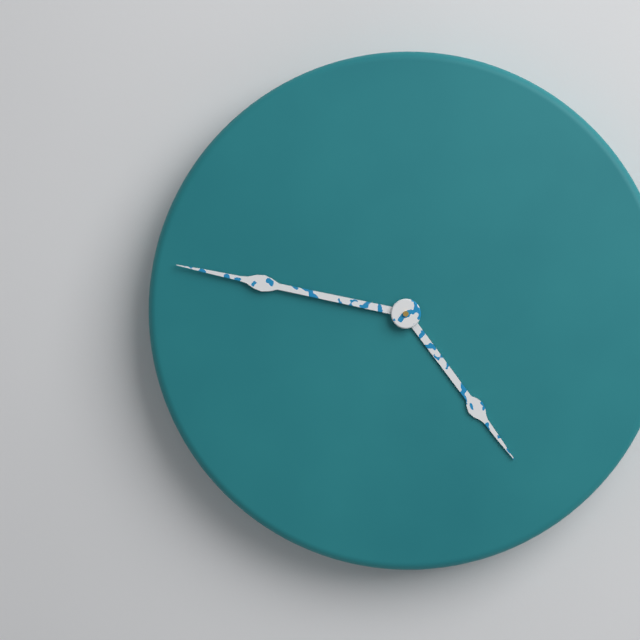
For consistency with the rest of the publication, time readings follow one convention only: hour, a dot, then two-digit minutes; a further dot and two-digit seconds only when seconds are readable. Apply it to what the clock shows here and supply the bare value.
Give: 4.47
